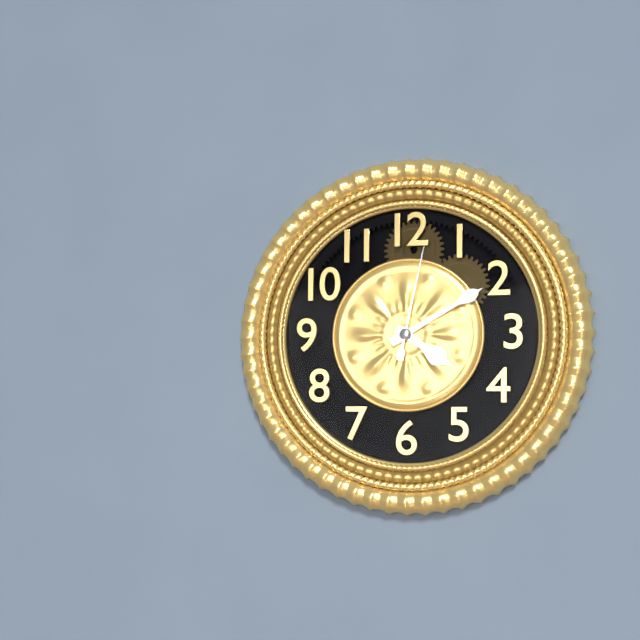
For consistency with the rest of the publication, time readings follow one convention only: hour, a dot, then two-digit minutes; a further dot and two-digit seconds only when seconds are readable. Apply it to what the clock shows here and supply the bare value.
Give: 4.10.02
